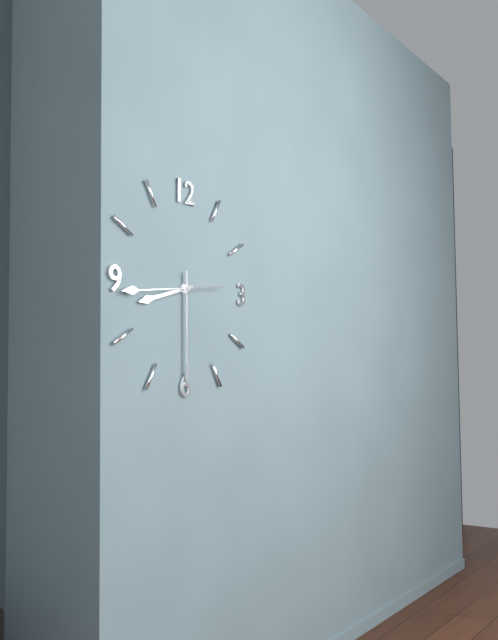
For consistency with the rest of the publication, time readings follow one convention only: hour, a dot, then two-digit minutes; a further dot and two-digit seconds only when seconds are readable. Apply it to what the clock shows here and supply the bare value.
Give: 8.30.44
